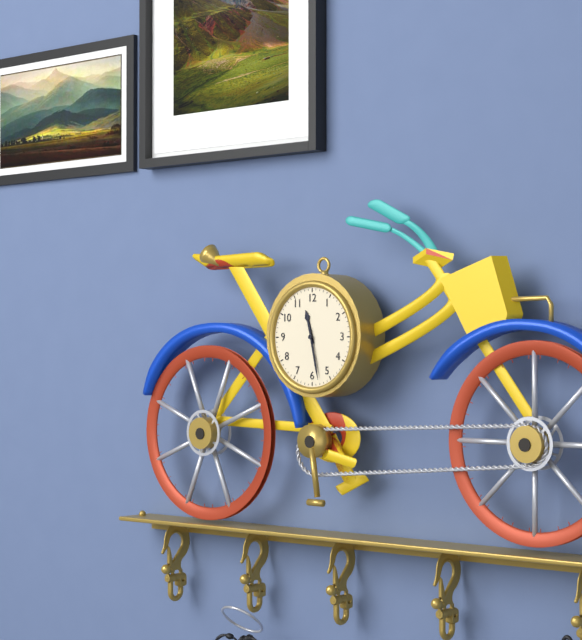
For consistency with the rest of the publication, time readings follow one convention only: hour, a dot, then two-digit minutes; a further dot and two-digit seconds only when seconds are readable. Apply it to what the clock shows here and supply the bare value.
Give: 11.28
